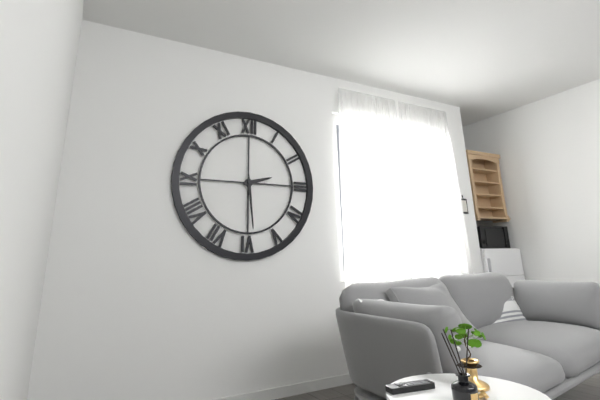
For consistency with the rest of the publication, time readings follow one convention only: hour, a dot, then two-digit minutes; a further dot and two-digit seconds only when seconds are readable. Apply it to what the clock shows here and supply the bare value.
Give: 2.29
